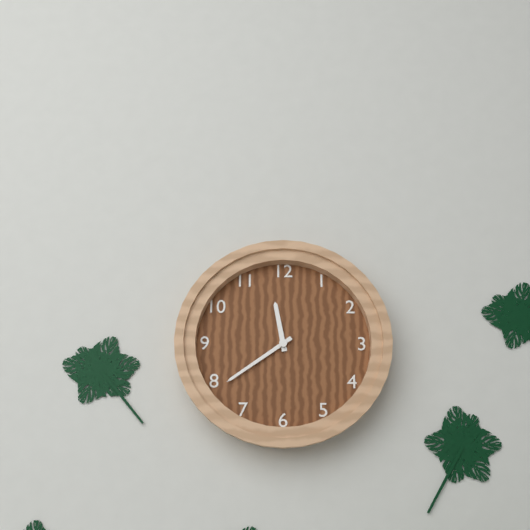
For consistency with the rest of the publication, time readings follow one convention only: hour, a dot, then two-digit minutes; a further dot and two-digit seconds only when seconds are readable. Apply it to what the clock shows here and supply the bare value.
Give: 11.39
